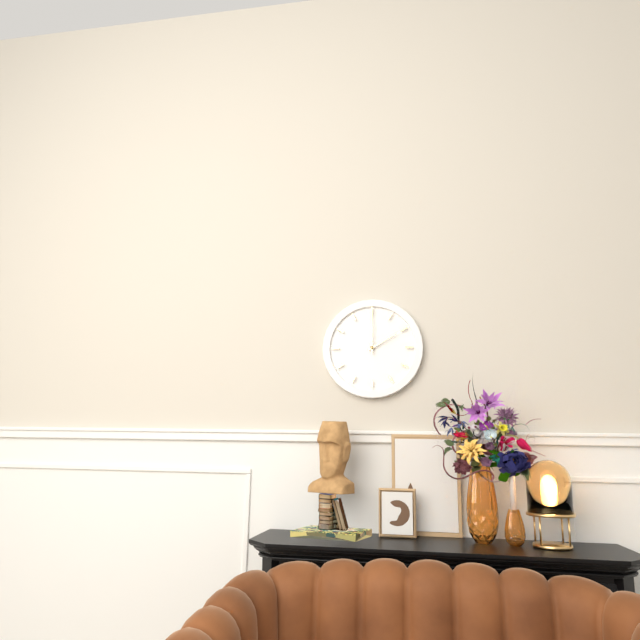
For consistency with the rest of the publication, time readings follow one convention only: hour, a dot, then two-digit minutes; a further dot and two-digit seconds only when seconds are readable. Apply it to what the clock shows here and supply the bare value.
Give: 2.00
